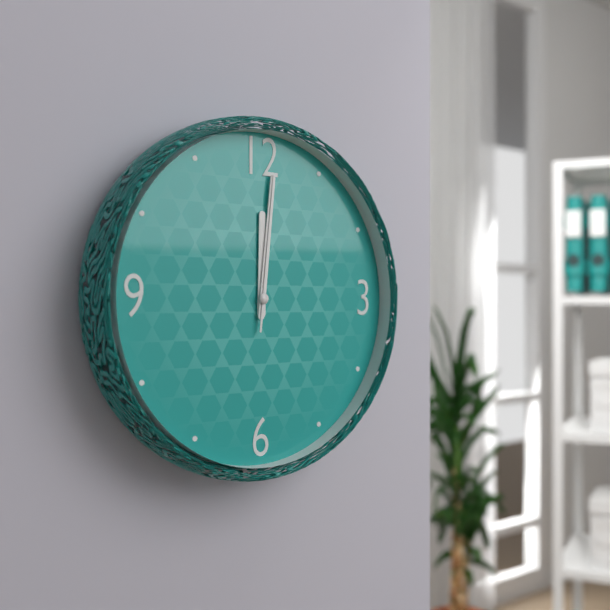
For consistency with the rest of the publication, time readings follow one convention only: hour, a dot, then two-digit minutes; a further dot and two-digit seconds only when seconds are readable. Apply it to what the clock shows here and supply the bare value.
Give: 12.01.01
